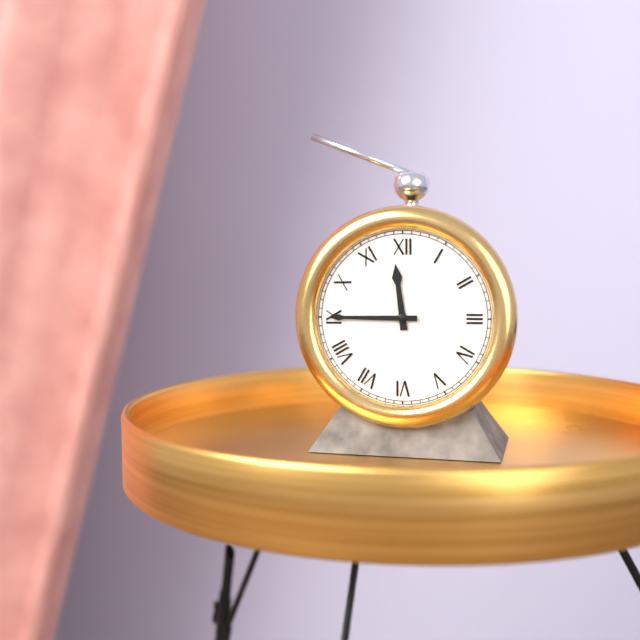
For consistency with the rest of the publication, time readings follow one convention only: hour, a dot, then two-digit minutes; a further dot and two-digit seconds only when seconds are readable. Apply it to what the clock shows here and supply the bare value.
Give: 11.45
